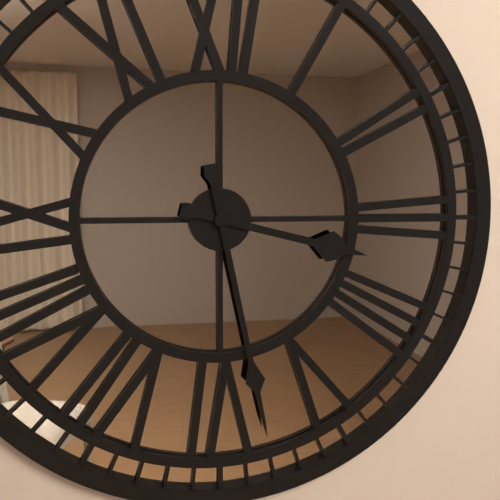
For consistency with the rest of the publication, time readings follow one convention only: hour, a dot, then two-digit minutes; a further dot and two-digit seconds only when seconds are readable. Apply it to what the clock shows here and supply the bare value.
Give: 3.28
